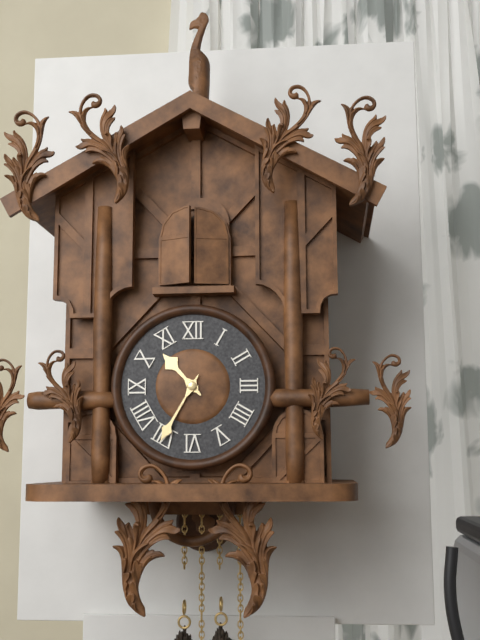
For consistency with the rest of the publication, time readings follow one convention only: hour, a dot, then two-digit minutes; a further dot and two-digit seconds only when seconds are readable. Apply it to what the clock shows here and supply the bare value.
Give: 10.35
